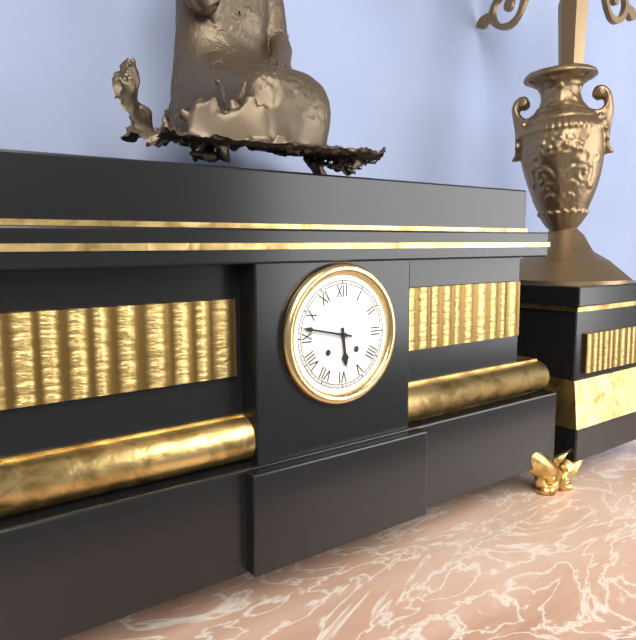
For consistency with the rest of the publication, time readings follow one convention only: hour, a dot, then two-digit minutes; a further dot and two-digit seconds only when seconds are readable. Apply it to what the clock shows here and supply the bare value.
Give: 5.47
